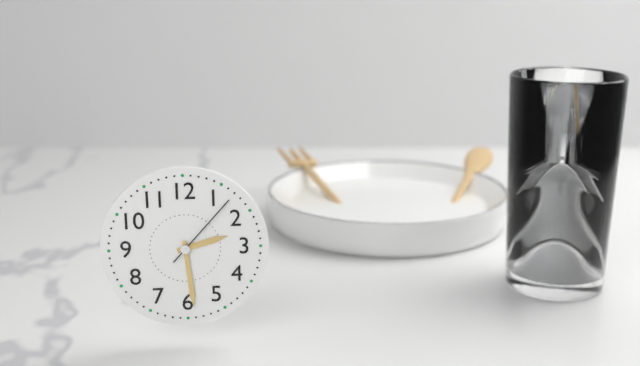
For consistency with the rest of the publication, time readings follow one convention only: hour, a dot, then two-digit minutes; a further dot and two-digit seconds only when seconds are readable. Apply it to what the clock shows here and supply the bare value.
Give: 2.29.07
